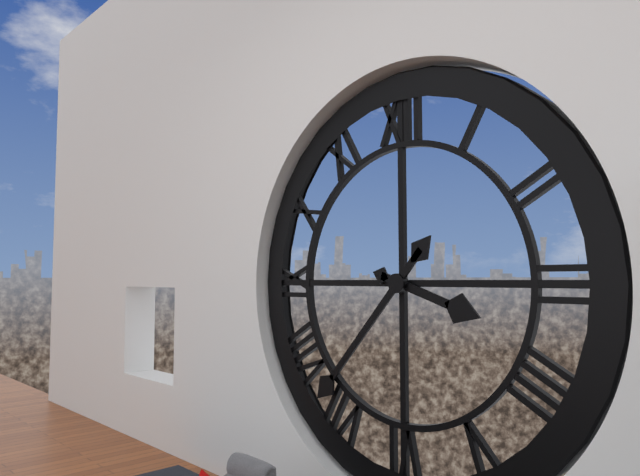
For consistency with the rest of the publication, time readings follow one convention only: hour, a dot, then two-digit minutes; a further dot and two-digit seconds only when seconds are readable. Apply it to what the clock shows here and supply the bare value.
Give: 3.37
